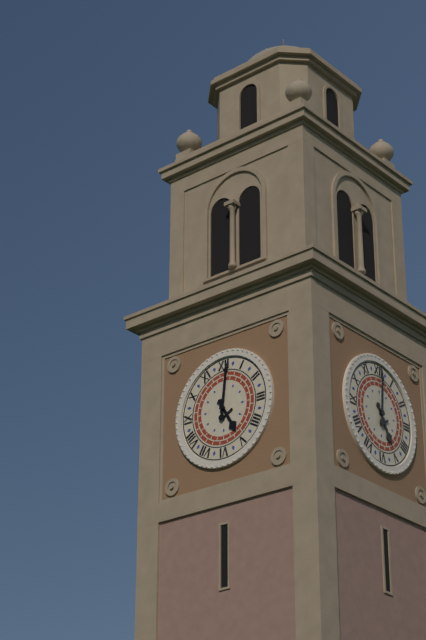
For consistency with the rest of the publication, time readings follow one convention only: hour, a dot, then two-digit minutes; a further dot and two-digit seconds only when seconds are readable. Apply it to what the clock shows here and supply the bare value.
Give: 5.01
